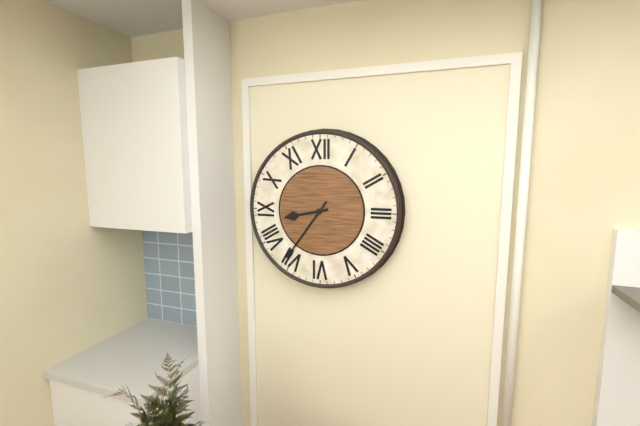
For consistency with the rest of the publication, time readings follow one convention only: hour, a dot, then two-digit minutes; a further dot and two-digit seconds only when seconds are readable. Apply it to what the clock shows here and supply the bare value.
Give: 8.36
